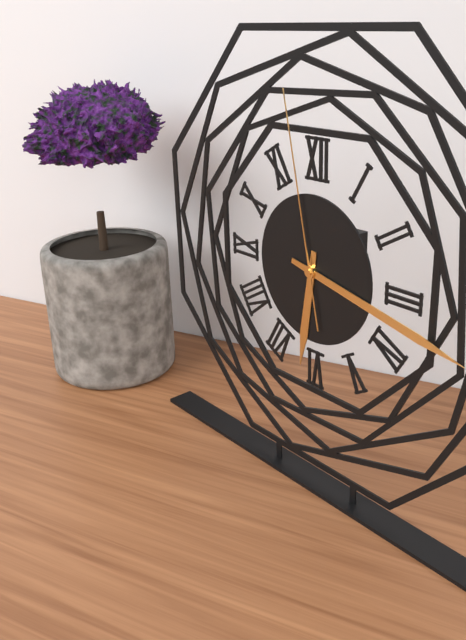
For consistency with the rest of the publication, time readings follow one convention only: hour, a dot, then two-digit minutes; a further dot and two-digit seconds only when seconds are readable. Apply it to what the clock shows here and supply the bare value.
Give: 6.17.58
